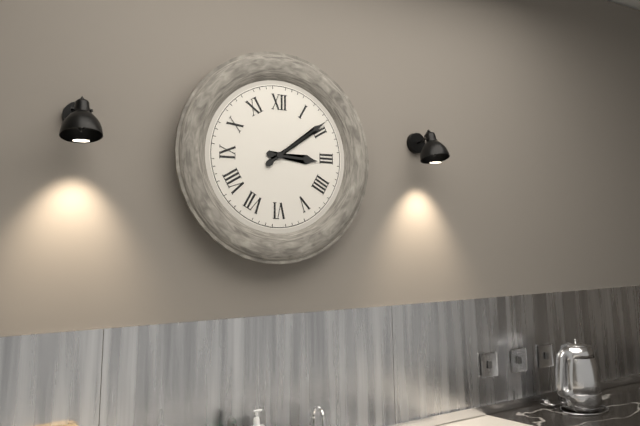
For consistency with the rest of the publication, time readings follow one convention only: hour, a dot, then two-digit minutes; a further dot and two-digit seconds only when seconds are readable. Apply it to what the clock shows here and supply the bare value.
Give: 3.09
